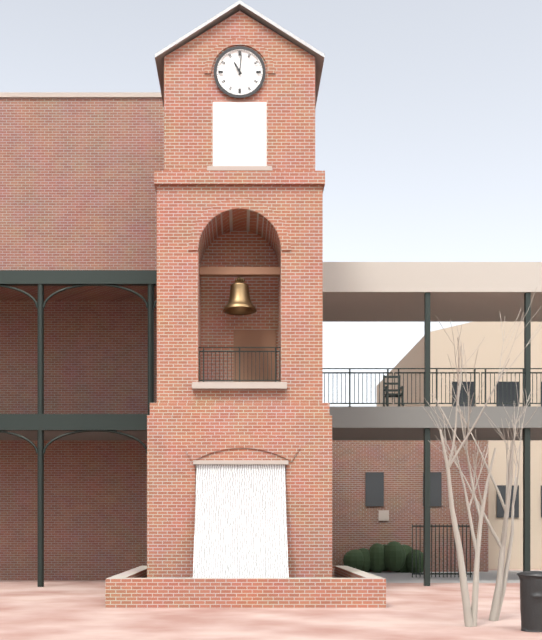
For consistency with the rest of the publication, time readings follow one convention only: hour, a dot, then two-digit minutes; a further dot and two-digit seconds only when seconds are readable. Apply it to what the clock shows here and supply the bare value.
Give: 11.01
